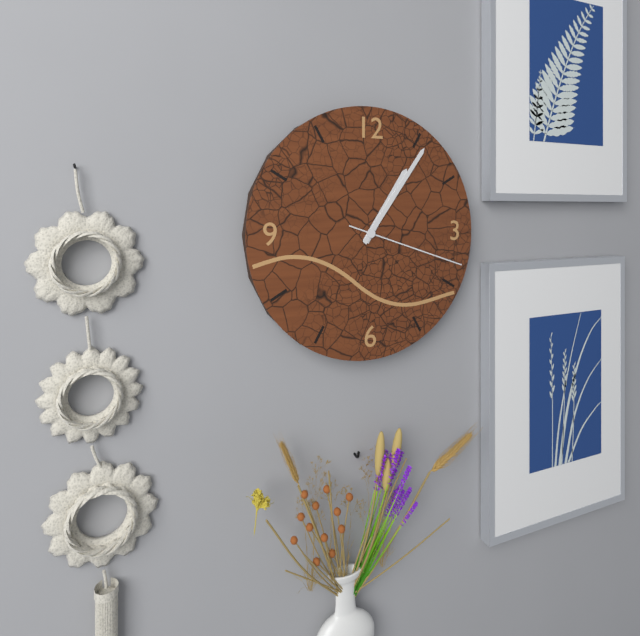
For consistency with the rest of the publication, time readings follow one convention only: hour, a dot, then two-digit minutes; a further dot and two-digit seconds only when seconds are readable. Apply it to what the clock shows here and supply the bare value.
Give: 1.06.18
